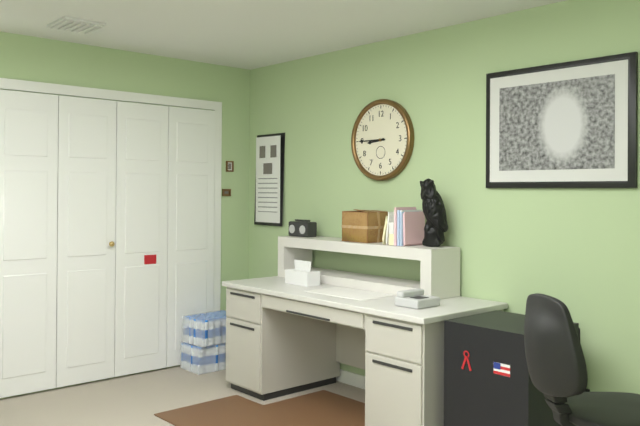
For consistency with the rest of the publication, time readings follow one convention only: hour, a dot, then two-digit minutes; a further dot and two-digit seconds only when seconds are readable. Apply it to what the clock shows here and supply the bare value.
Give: 8.45
